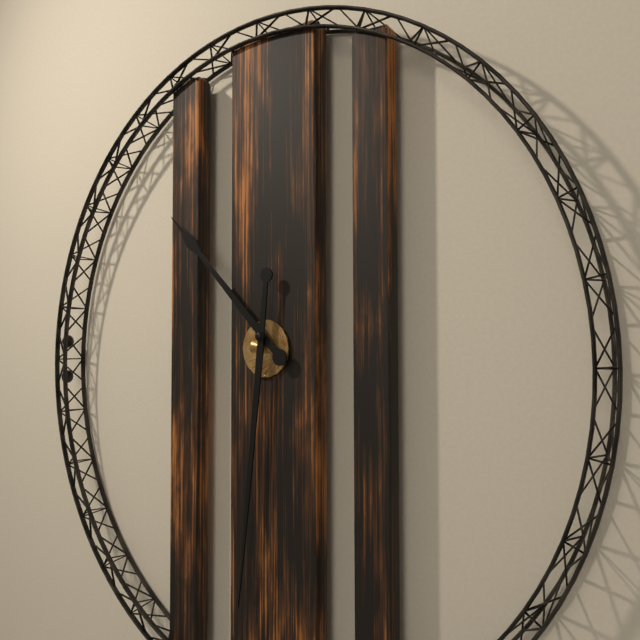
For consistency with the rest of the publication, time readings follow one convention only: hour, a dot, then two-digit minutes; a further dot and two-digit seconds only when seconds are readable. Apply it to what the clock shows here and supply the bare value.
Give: 10.31
